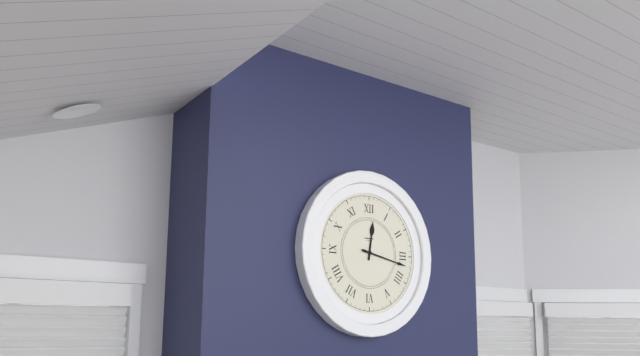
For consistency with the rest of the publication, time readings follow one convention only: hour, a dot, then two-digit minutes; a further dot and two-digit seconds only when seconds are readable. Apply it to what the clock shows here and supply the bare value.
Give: 12.17
